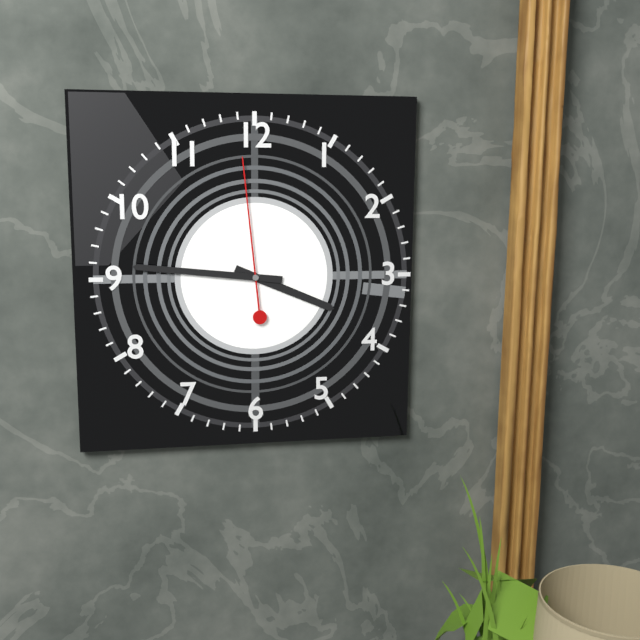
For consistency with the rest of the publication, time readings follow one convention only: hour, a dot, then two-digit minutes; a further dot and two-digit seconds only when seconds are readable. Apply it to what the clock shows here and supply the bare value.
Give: 3.46.59
